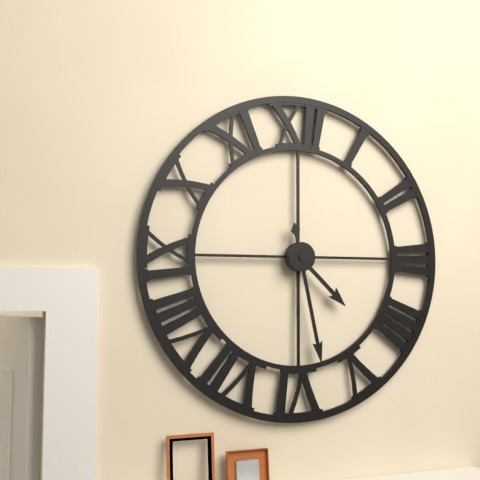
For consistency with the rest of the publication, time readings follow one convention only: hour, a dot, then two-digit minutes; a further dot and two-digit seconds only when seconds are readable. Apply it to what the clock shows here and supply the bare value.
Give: 4.28
